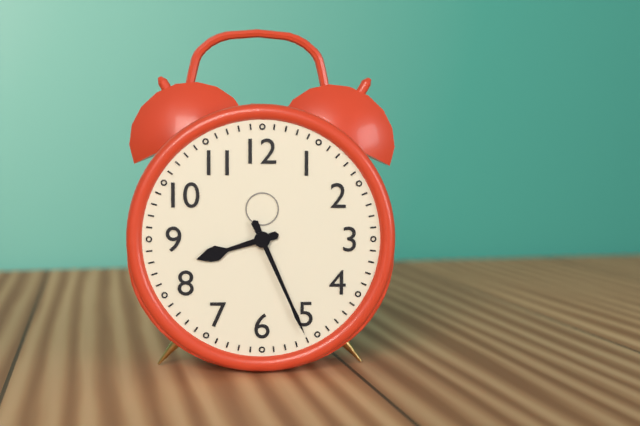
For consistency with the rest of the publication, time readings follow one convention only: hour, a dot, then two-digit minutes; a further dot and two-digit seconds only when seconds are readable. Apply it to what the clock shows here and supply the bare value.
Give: 8.26
